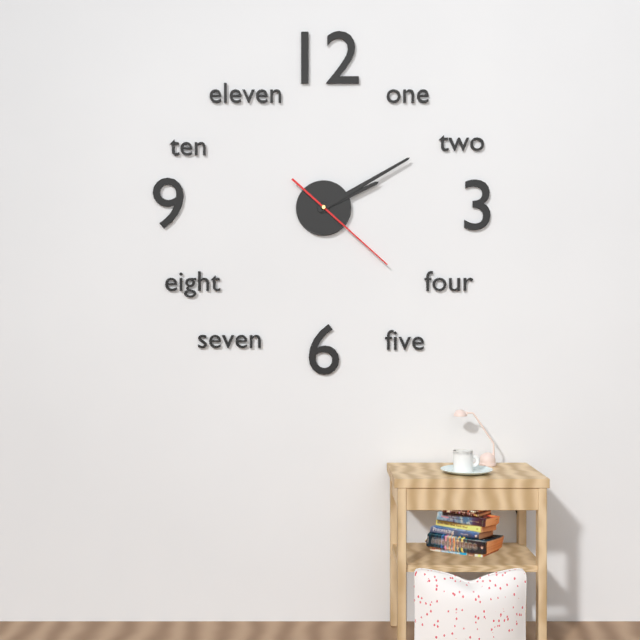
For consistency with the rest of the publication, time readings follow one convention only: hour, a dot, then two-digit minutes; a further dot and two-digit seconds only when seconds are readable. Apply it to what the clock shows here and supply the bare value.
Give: 2.10.22
